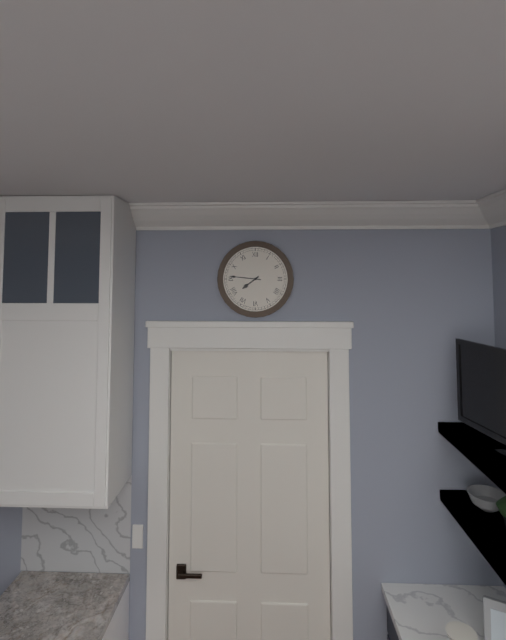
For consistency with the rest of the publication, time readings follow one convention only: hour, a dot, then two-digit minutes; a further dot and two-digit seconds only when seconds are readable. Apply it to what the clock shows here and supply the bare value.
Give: 7.46
